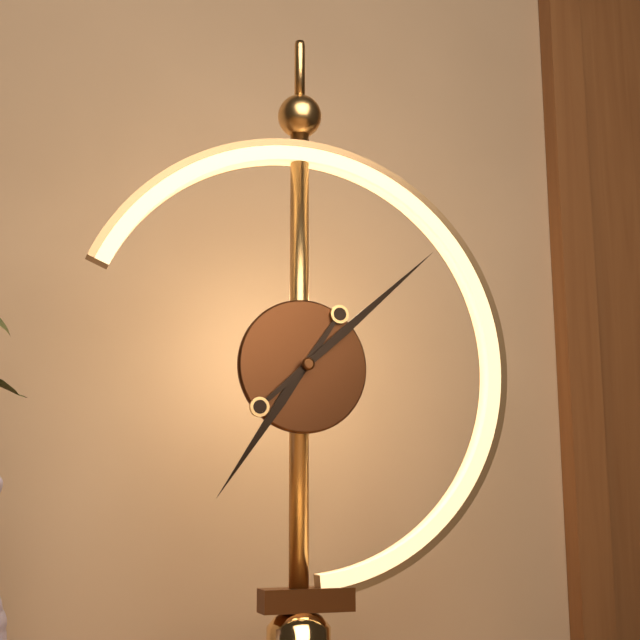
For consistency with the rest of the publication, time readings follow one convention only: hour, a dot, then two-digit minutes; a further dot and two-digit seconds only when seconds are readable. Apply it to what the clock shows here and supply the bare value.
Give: 7.08
